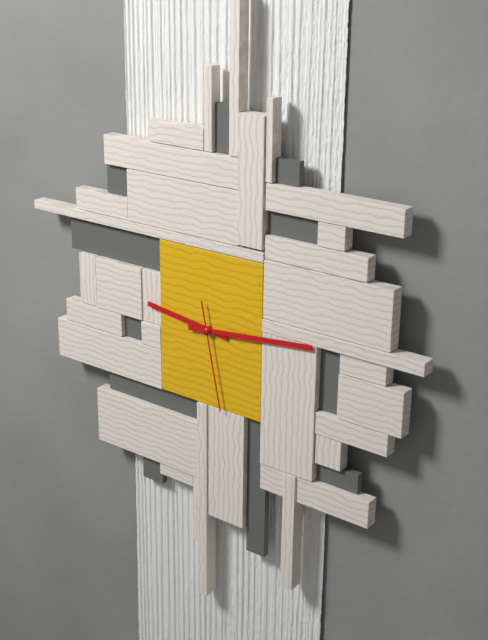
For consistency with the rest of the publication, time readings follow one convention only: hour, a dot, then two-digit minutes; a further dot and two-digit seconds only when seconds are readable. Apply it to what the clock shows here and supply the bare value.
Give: 9.14.28
